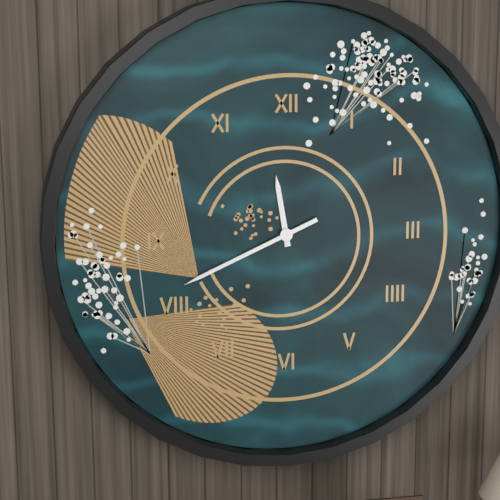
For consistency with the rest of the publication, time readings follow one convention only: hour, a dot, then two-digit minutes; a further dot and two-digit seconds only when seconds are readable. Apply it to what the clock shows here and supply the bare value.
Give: 11.41
